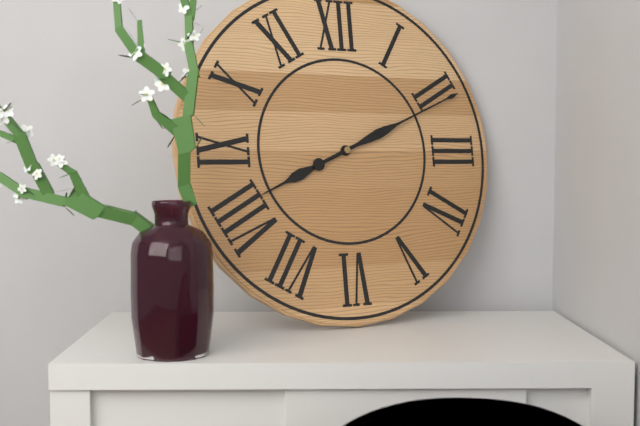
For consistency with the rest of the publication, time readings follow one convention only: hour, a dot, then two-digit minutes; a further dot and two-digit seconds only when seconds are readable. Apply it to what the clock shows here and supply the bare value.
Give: 8.11
